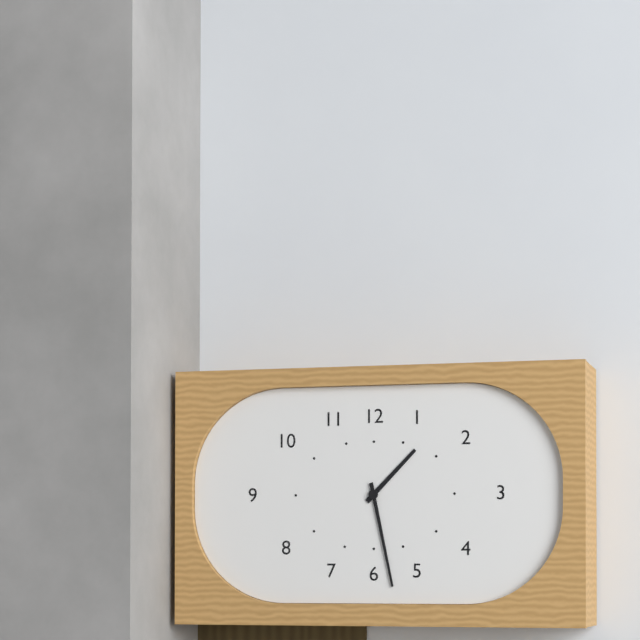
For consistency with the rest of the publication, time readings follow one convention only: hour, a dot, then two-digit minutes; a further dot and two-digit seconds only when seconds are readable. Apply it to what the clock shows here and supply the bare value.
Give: 1.28
